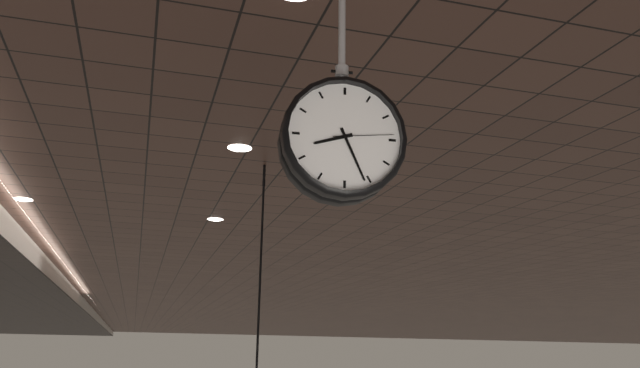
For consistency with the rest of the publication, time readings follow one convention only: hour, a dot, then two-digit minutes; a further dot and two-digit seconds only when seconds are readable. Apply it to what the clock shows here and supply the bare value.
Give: 8.26.14
